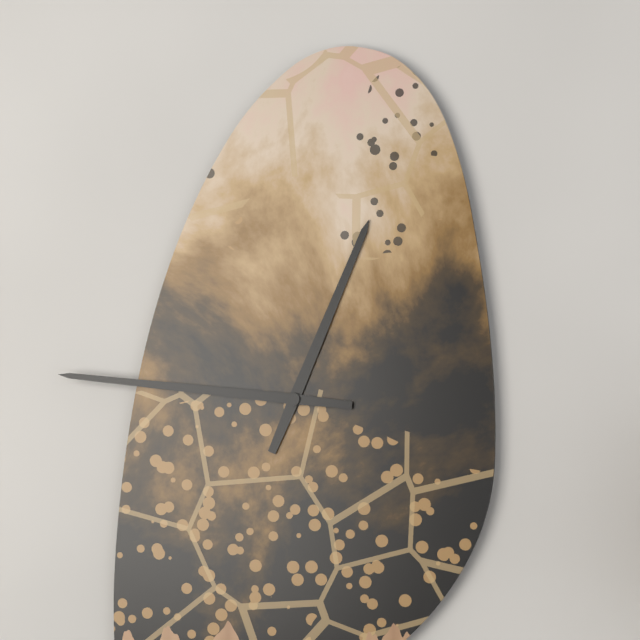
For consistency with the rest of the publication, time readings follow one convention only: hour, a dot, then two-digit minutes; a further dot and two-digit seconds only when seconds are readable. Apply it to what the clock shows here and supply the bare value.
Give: 12.46
